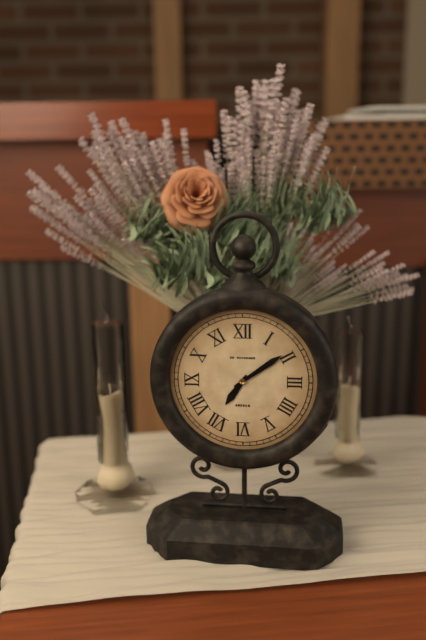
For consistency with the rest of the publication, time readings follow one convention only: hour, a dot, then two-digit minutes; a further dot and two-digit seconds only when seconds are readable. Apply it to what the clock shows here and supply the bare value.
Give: 7.09
